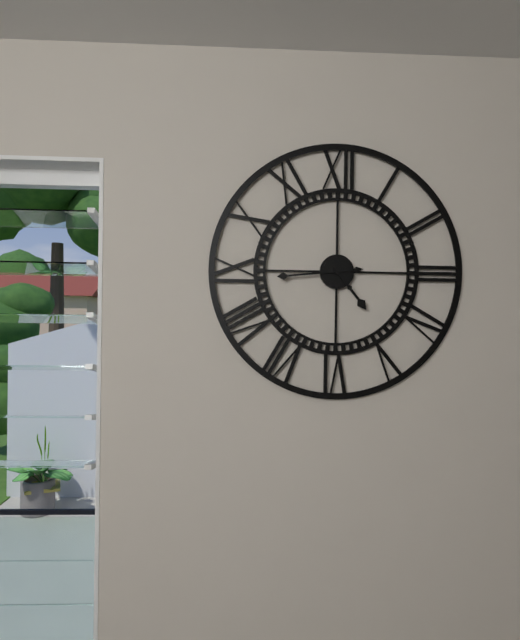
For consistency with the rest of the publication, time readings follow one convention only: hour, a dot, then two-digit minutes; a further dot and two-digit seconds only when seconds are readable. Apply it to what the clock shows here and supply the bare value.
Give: 4.44
